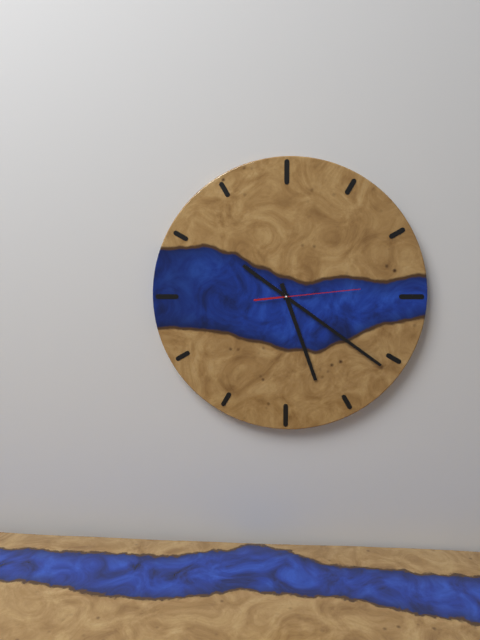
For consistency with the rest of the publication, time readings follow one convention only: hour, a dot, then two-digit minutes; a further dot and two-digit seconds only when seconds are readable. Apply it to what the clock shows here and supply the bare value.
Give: 5.21.14
